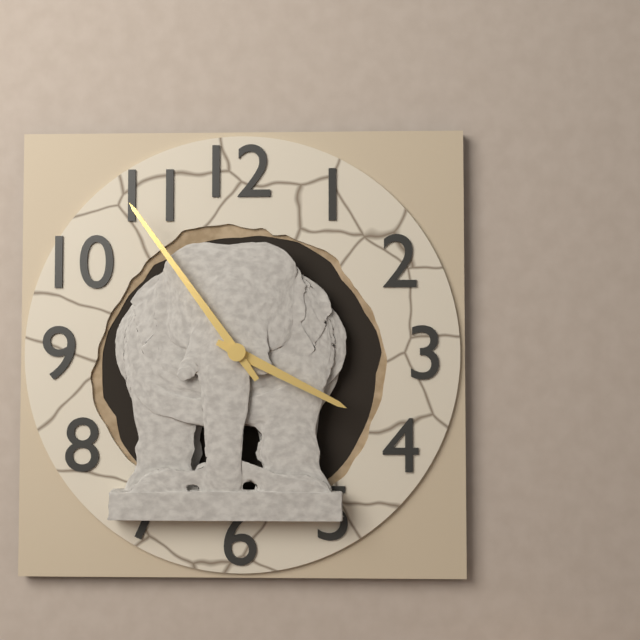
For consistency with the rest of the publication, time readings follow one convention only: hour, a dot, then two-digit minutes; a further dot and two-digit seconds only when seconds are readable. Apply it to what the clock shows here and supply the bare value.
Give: 3.54
